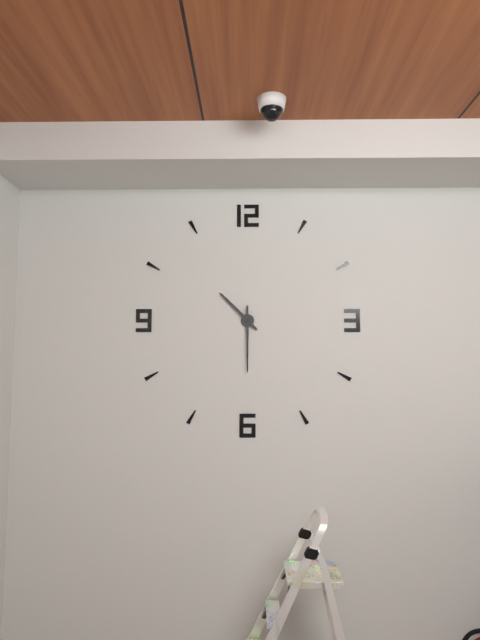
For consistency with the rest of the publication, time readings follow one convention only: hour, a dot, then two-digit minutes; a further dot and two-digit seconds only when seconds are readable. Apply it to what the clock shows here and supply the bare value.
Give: 10.30
